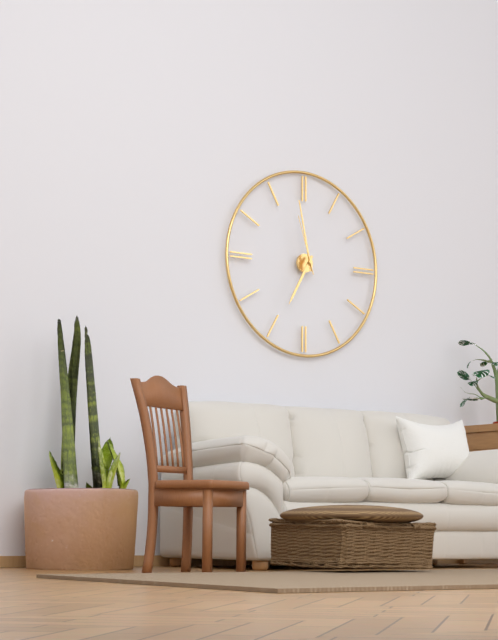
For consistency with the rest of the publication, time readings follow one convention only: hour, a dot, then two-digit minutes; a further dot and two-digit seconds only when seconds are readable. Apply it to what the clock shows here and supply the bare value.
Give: 6.58.57
